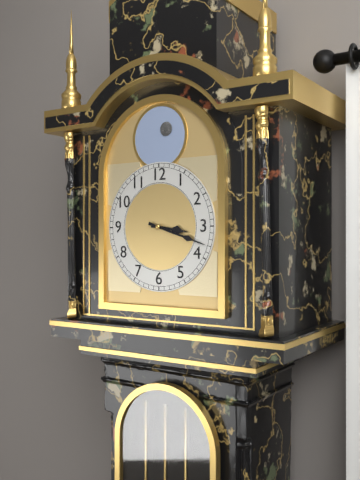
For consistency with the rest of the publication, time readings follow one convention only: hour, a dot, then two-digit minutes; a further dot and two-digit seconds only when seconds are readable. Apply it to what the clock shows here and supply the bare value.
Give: 3.18
